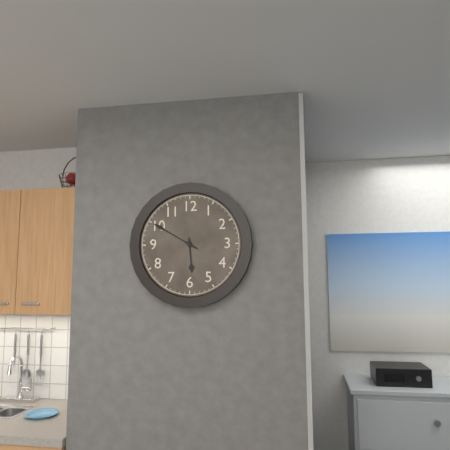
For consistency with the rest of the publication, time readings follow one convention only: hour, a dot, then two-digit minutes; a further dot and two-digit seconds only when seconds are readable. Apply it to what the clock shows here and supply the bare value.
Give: 5.50
